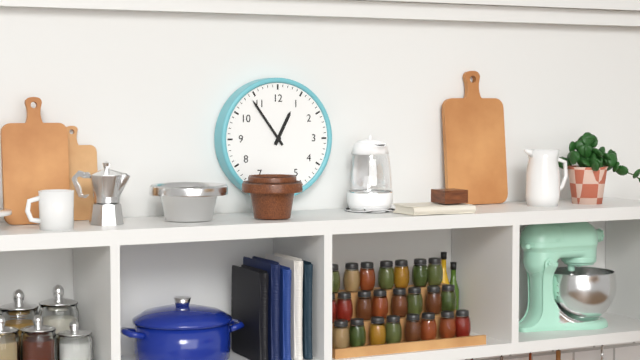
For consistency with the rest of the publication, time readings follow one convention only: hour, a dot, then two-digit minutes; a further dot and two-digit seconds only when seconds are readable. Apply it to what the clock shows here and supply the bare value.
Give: 12.54
